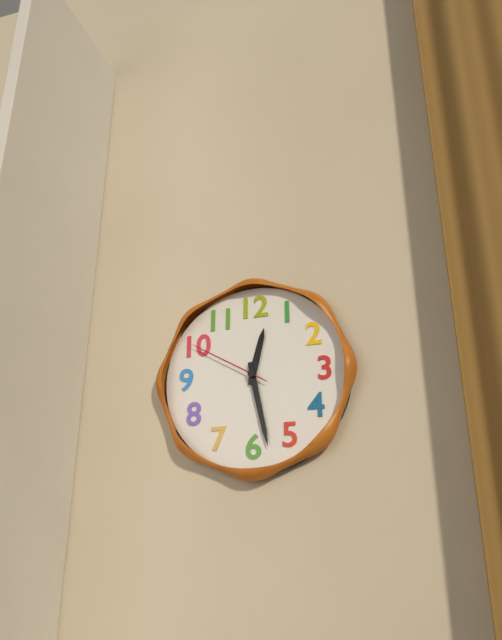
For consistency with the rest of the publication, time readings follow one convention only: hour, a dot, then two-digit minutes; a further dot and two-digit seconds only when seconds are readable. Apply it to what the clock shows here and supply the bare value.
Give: 12.28.50
